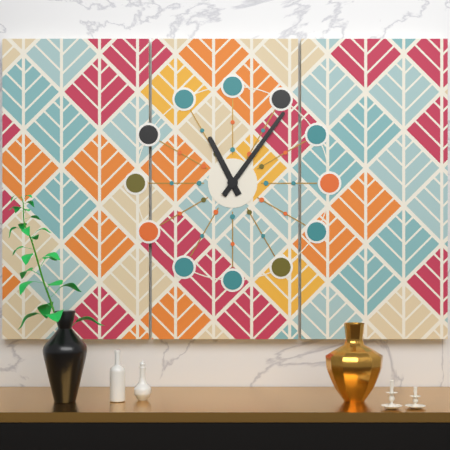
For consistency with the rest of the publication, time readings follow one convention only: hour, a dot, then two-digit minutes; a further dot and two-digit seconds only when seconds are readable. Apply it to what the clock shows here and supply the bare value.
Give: 11.06
